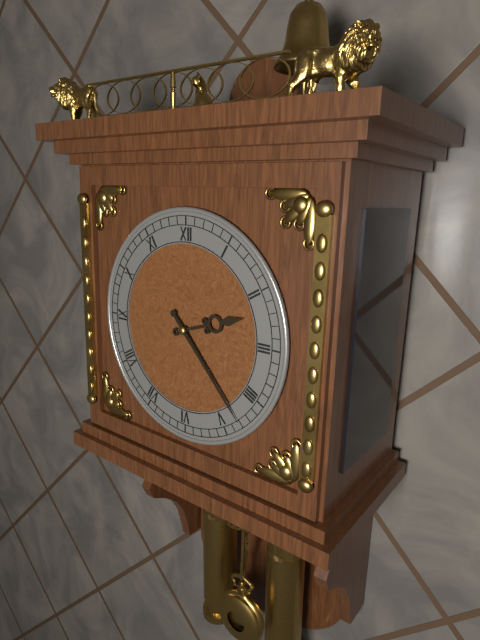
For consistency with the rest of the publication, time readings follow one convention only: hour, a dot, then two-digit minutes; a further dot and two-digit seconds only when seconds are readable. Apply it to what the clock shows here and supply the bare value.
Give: 2.23
